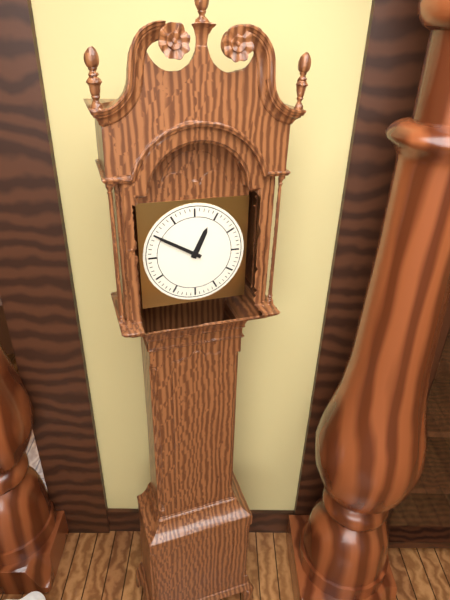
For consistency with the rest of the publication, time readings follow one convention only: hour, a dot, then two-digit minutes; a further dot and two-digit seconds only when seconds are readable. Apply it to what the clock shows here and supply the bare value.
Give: 12.50
